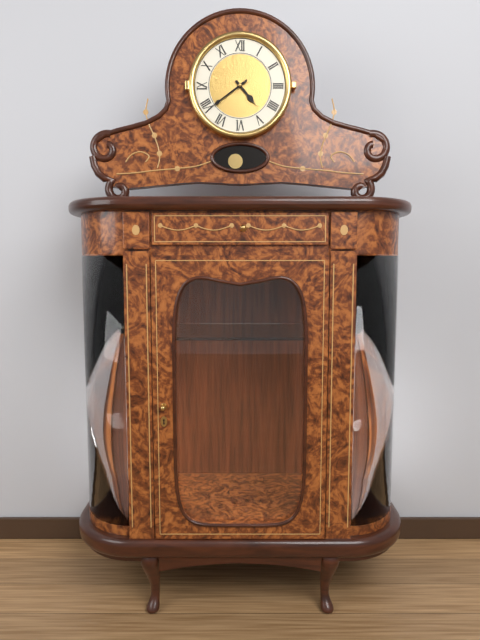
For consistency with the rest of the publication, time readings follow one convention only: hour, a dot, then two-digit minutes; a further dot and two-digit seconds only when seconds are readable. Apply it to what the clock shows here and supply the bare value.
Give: 4.39
